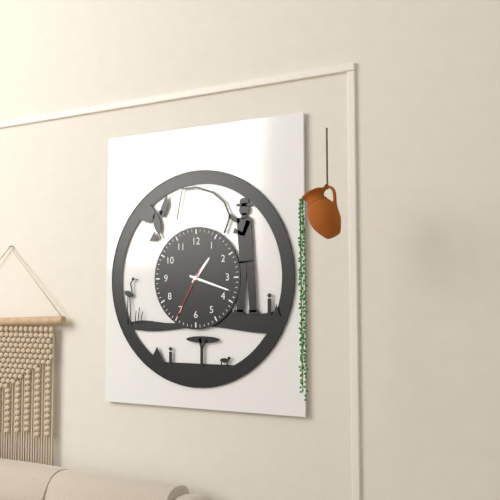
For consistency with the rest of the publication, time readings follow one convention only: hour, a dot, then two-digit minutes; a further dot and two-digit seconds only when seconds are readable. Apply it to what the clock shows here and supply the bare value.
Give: 1.18.35
